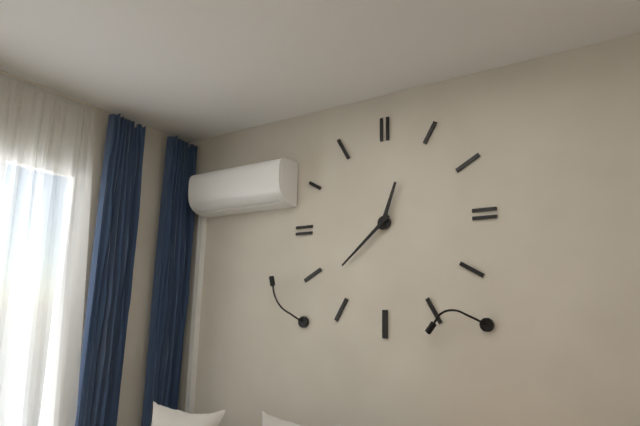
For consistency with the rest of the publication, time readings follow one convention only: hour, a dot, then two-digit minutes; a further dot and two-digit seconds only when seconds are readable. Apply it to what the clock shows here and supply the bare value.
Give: 12.38
